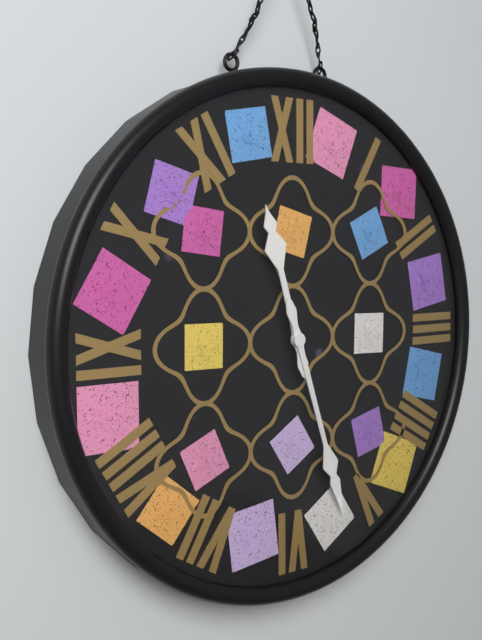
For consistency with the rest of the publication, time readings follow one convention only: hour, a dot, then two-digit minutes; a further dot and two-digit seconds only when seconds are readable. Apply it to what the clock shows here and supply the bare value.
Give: 11.27
